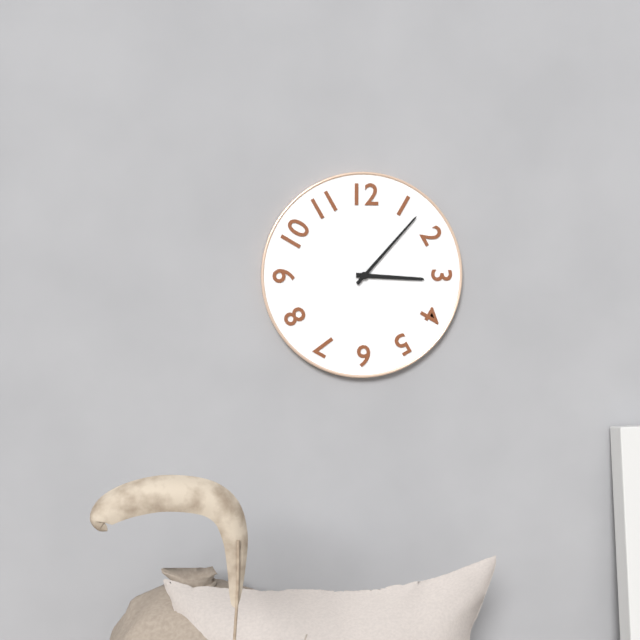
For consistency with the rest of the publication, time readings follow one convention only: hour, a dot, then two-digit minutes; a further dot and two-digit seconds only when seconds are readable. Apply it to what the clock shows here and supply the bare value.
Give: 3.07
